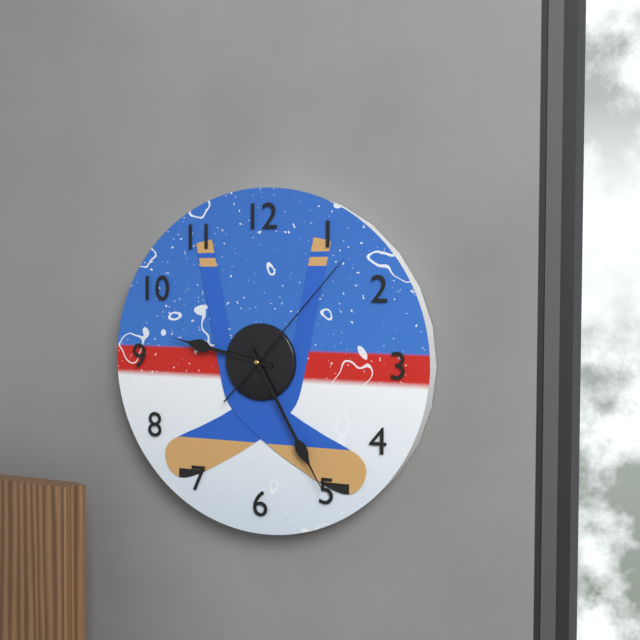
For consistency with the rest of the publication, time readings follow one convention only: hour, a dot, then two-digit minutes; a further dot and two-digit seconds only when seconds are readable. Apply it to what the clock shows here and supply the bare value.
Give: 9.25.07
